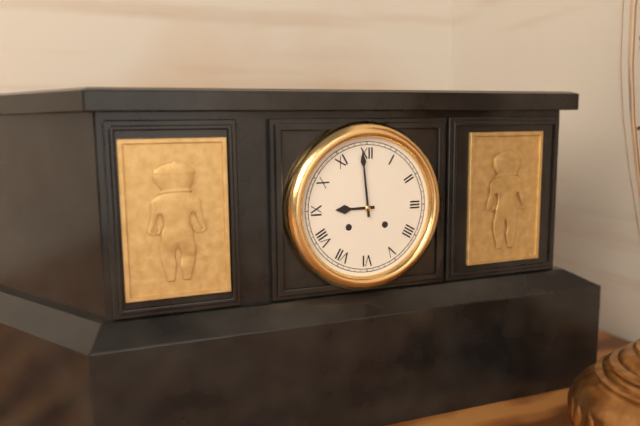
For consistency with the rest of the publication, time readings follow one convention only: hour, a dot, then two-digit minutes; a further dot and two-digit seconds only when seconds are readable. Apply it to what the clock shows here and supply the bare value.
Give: 8.59
